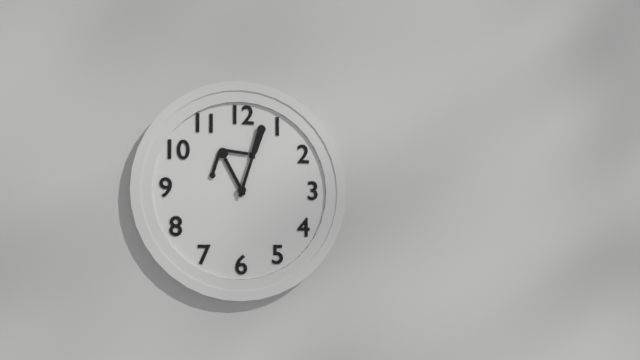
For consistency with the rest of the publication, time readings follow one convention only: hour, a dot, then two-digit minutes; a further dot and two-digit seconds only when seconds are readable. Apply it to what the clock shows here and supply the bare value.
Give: 11.03
